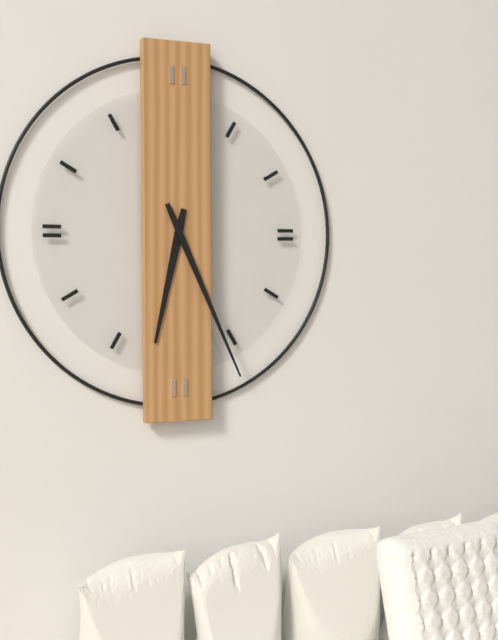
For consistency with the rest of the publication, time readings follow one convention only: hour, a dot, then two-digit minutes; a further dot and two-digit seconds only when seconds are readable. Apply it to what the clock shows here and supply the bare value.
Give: 6.26
